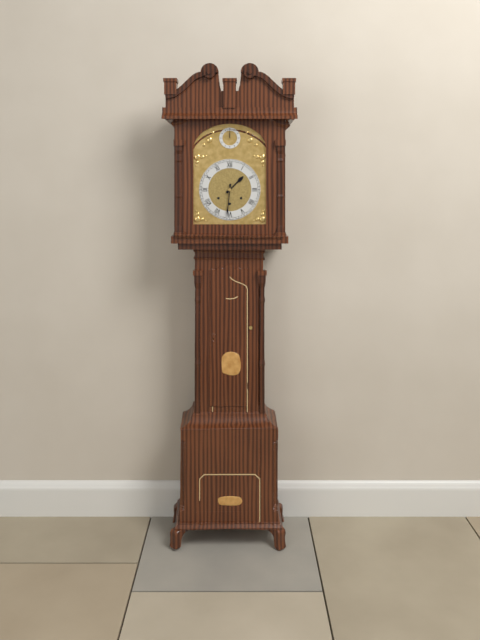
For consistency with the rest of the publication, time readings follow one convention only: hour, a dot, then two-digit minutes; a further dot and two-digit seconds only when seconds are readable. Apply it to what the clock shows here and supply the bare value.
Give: 1.31
